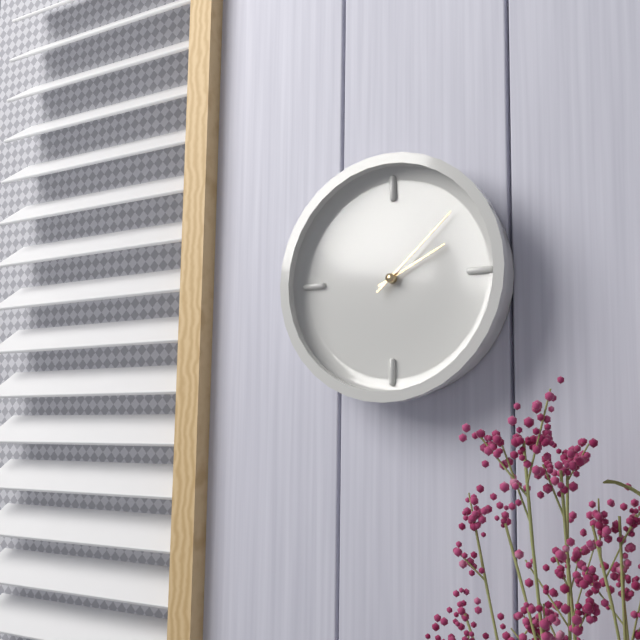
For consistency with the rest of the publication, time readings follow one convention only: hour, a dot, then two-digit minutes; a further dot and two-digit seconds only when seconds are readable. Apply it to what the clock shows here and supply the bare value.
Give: 2.08
